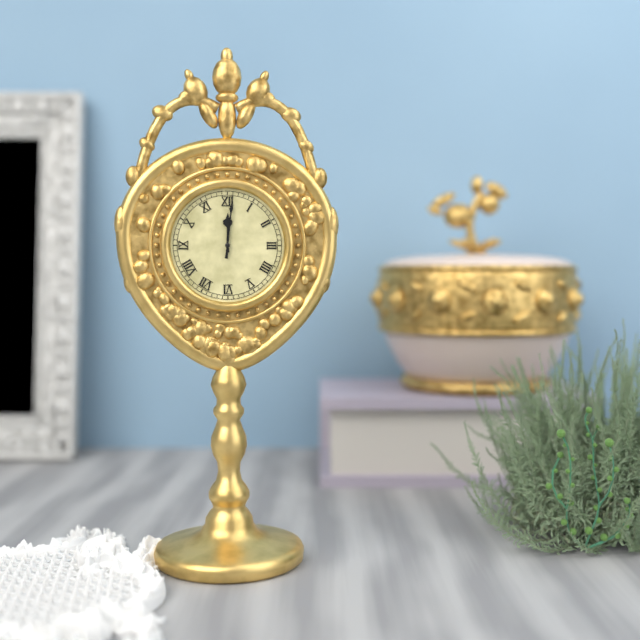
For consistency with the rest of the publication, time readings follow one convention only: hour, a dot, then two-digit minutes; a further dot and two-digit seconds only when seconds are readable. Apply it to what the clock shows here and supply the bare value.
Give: 12.01
